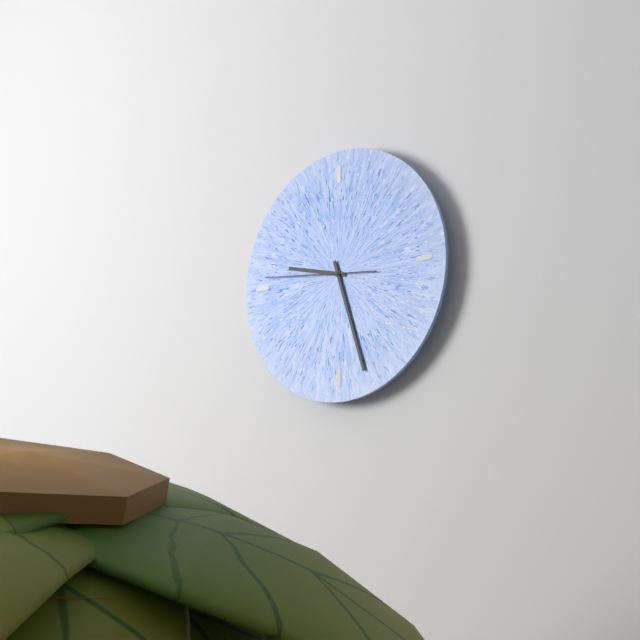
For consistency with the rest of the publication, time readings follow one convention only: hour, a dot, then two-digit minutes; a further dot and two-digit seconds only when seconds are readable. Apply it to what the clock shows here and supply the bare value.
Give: 9.27.46
